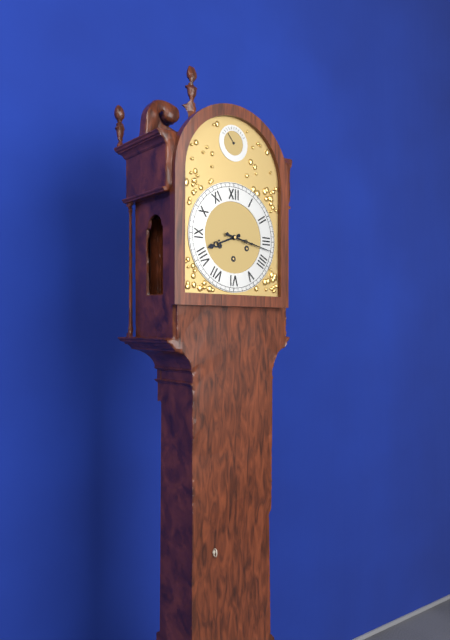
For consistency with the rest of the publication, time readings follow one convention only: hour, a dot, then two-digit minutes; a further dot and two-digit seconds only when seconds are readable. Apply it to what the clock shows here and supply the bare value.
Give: 8.17
